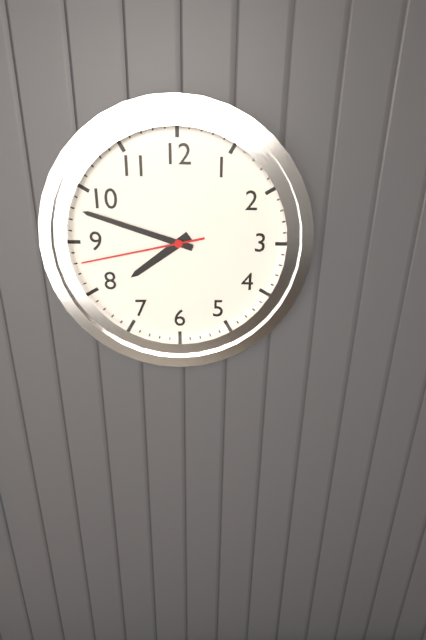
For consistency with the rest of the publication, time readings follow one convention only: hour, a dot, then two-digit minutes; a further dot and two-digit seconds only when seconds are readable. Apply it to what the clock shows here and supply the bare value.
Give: 7.48.43
